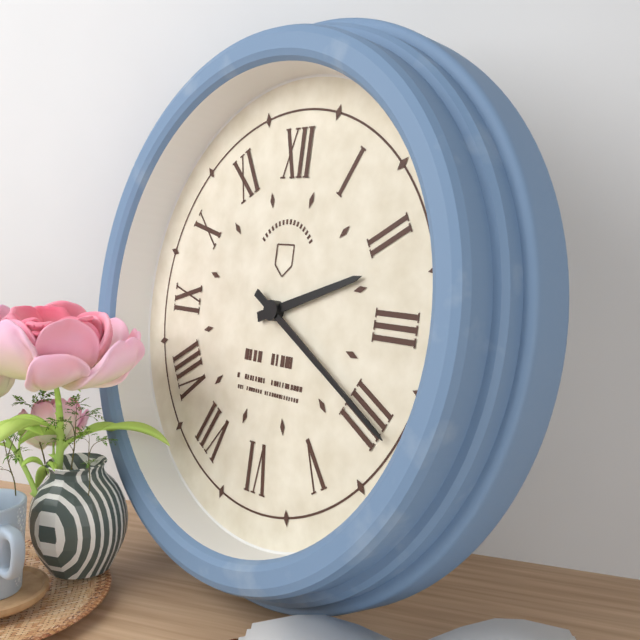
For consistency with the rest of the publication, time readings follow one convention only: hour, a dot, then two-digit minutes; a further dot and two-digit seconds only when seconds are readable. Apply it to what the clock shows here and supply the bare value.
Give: 2.20
